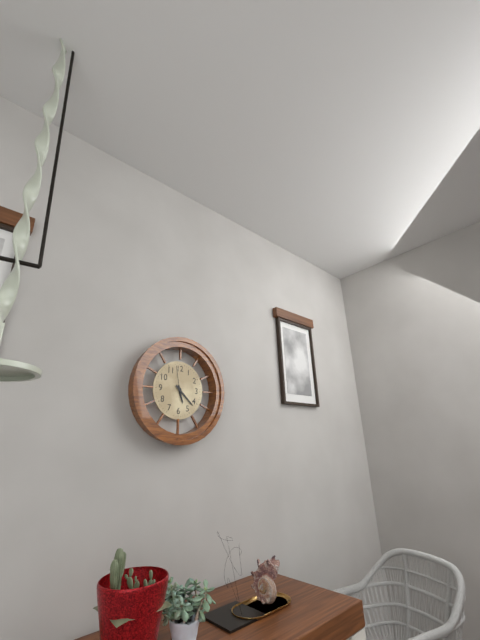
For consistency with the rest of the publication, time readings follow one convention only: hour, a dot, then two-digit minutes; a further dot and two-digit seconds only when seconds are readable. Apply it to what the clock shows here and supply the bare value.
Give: 5.22
